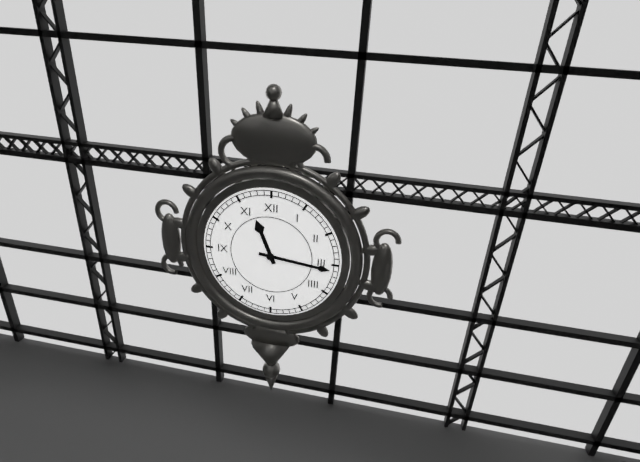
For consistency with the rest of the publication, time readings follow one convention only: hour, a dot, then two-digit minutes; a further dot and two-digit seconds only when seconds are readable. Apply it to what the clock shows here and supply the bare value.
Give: 11.16
